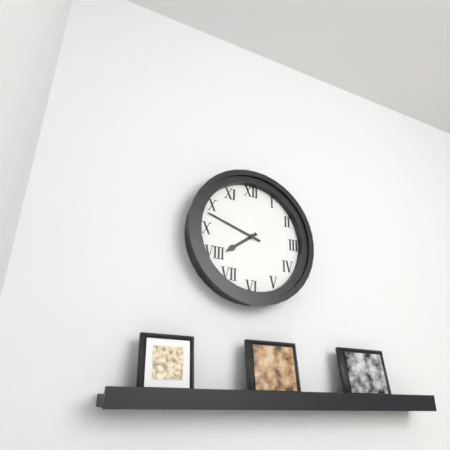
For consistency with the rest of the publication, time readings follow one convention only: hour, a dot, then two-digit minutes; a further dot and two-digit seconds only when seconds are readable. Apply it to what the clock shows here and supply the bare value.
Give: 7.48
